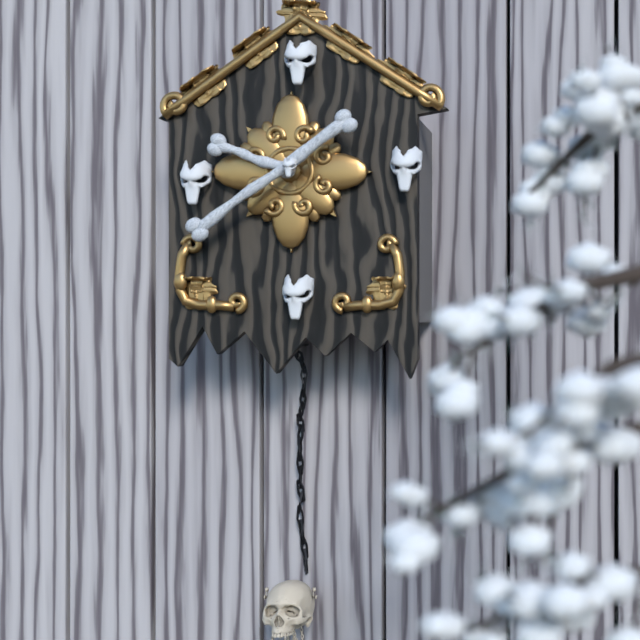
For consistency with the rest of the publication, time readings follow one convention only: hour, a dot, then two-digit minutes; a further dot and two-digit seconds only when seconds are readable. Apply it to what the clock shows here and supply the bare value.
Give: 9.39
